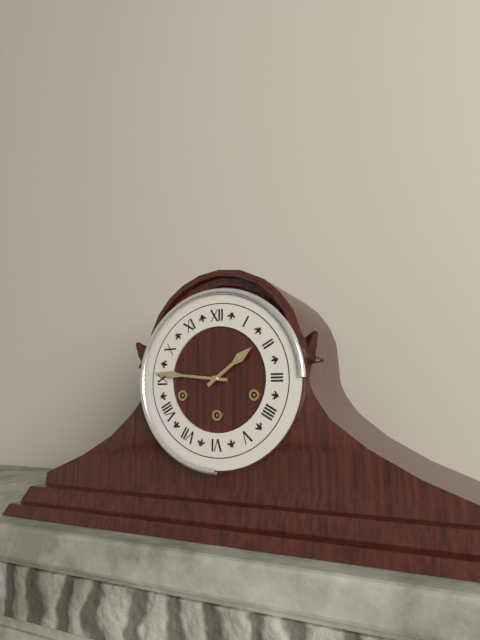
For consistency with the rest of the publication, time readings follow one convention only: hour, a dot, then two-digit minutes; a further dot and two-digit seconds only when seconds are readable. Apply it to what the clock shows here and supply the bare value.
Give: 1.46
